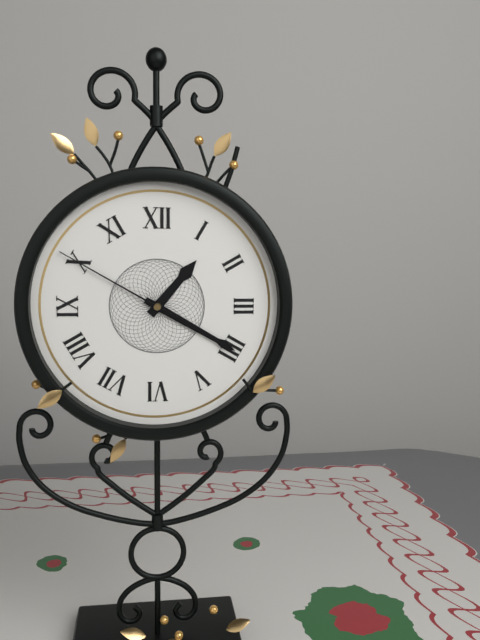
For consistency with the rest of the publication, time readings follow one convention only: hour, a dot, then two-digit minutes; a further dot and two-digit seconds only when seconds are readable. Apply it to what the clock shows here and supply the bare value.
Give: 1.20.50
